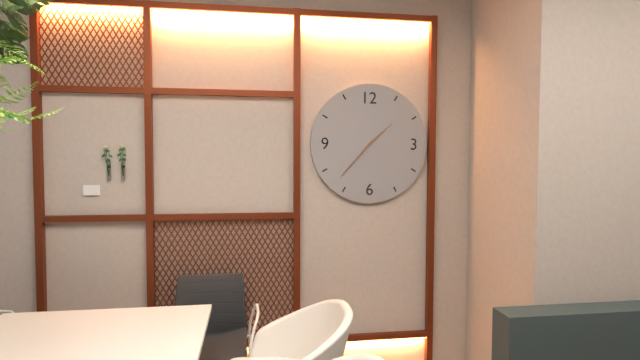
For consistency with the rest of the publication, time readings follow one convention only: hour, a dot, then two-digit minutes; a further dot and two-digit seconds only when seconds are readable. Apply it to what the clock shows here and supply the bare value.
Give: 1.37
